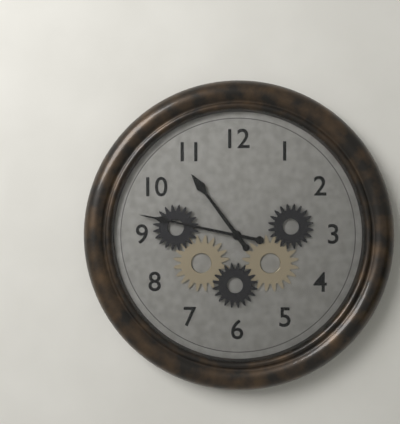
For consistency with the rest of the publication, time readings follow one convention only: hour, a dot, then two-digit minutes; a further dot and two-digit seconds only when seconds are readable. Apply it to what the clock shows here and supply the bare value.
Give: 10.47
